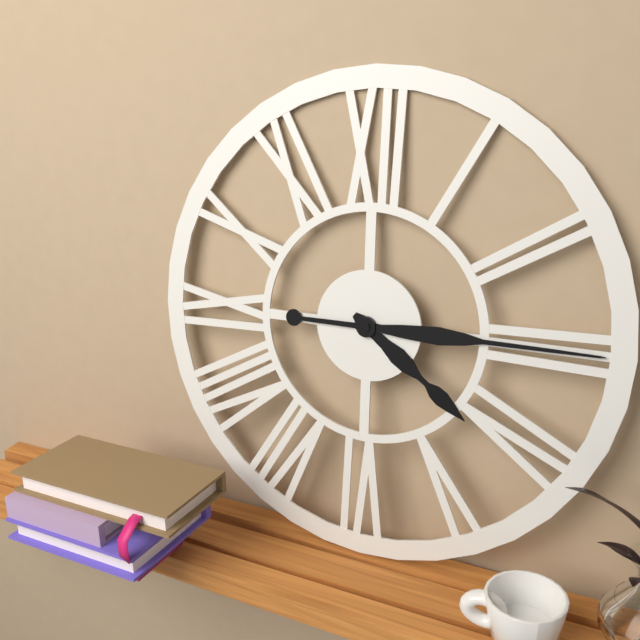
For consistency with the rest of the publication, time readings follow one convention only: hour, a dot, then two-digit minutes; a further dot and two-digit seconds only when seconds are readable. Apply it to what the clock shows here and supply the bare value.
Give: 4.15
